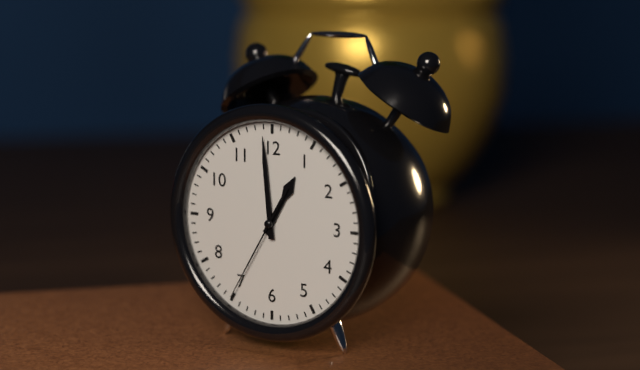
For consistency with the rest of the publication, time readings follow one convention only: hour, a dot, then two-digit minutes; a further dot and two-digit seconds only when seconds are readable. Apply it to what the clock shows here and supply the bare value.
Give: 12.59.35
